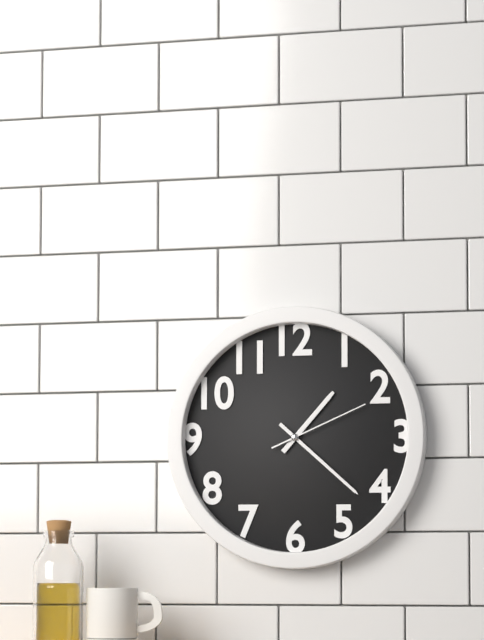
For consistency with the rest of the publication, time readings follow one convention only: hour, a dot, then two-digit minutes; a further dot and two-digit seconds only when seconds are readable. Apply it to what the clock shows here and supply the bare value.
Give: 1.22.11
